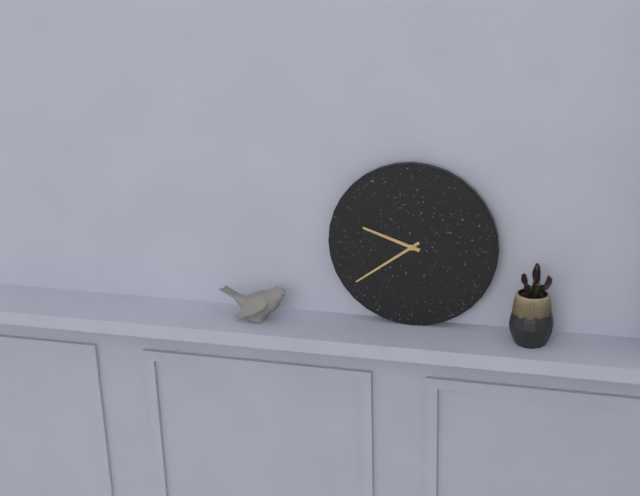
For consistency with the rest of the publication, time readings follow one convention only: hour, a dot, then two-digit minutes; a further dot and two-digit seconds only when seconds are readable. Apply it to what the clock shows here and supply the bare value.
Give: 9.39
